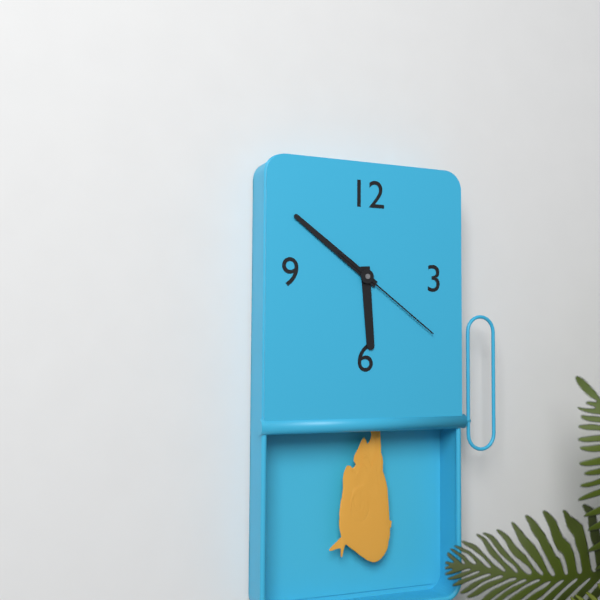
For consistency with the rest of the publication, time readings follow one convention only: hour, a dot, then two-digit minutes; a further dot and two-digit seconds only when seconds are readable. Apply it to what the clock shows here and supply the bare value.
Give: 5.51.21
